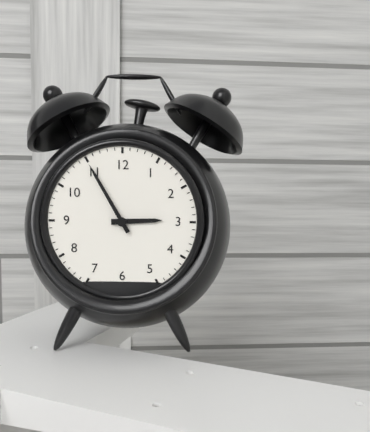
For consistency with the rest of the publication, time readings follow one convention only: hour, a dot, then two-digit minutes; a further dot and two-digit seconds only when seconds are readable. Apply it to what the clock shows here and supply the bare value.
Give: 2.55
